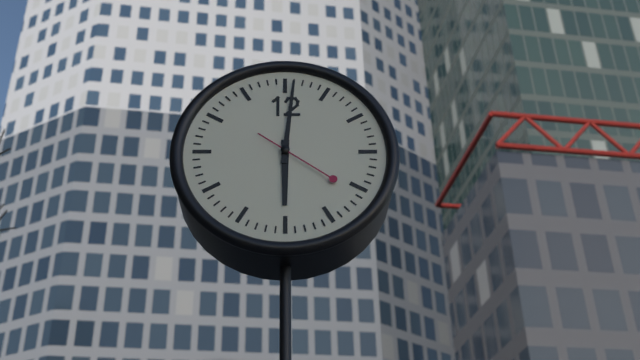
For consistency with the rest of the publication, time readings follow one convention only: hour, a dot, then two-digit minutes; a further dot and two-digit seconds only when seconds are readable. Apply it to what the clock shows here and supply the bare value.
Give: 6.01.21
